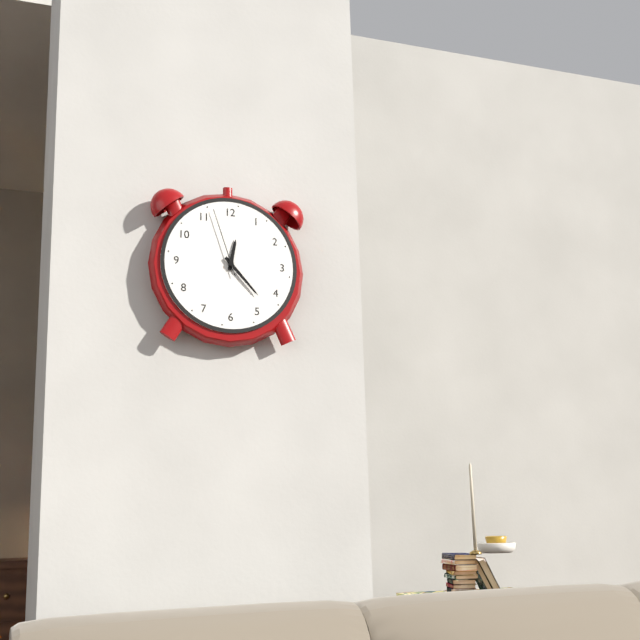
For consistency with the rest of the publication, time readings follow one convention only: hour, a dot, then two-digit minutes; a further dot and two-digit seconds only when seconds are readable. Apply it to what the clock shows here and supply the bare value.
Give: 12.23.57
